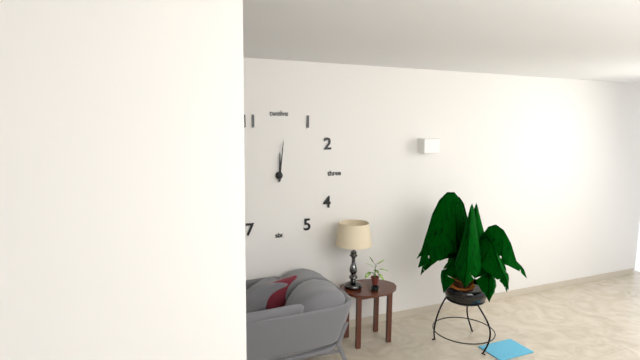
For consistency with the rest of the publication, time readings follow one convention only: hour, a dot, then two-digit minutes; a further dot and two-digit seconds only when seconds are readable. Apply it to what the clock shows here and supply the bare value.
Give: 12.01
